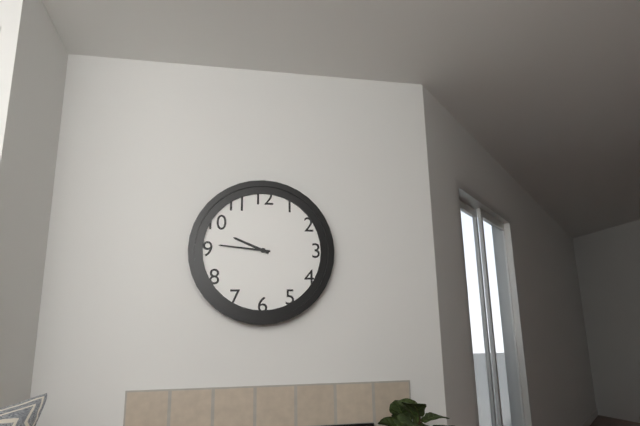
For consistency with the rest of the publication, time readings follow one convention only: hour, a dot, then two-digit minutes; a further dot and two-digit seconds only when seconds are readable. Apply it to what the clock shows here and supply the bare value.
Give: 9.46
